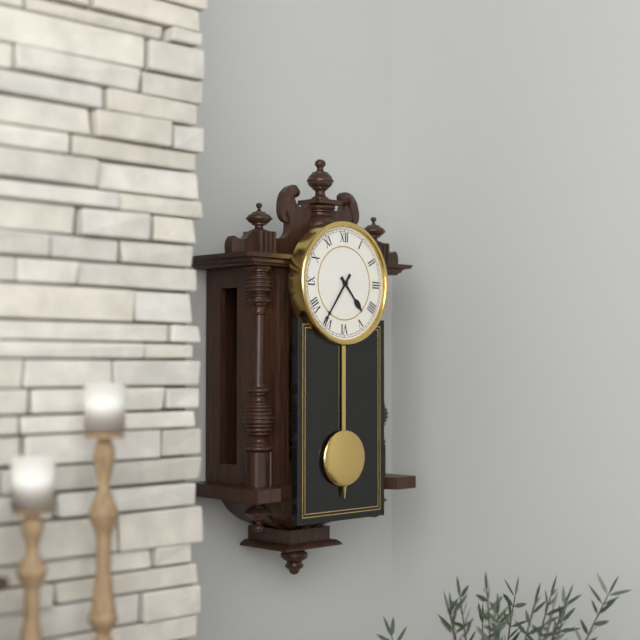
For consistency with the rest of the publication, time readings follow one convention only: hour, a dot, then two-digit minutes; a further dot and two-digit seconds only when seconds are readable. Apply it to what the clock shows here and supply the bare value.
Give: 4.36
